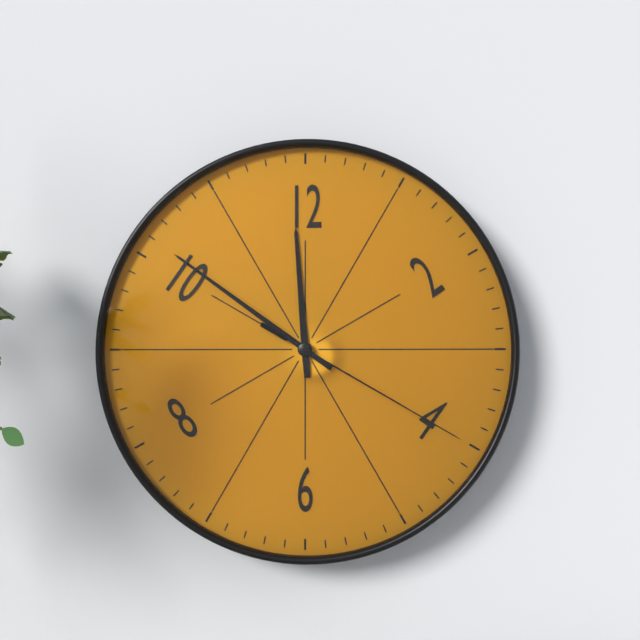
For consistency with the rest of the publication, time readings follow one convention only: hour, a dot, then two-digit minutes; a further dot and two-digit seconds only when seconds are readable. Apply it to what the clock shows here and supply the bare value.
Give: 11.51.20
